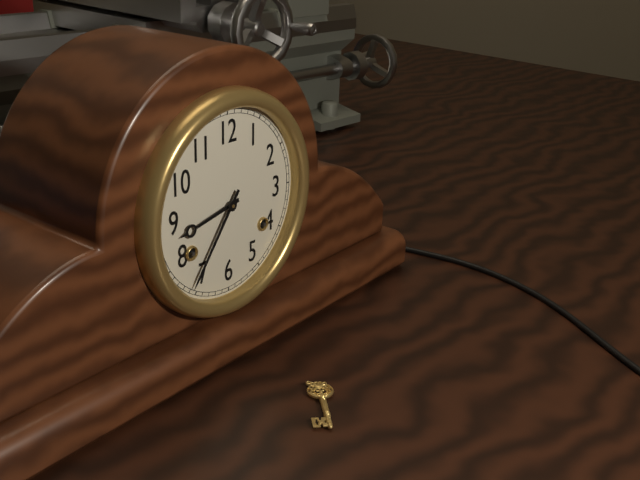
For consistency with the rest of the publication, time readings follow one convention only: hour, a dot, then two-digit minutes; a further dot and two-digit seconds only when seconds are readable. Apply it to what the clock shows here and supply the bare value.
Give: 8.36
